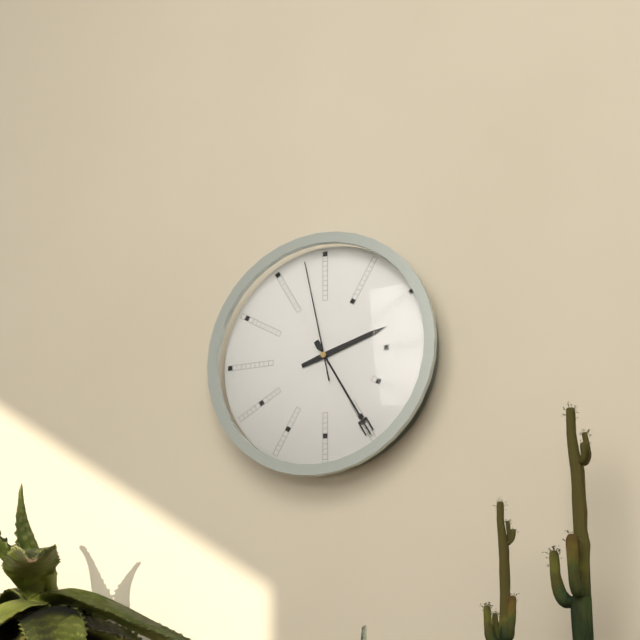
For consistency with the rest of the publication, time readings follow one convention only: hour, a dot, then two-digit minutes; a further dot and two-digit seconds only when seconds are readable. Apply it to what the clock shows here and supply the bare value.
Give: 2.25.58
